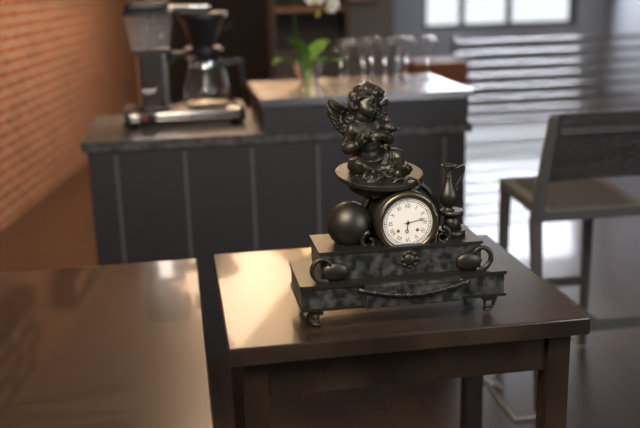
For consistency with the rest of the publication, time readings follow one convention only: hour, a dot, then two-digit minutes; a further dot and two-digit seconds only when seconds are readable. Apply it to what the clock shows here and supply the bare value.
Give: 6.13
